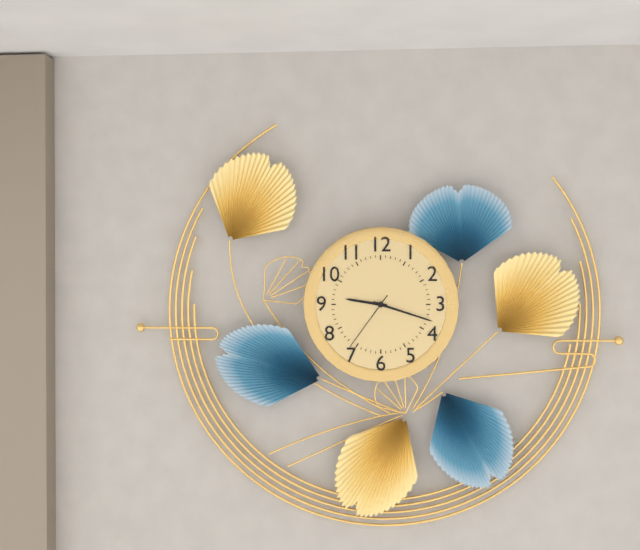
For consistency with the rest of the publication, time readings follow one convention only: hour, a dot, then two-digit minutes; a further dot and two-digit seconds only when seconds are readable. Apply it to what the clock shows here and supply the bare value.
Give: 9.18.36
